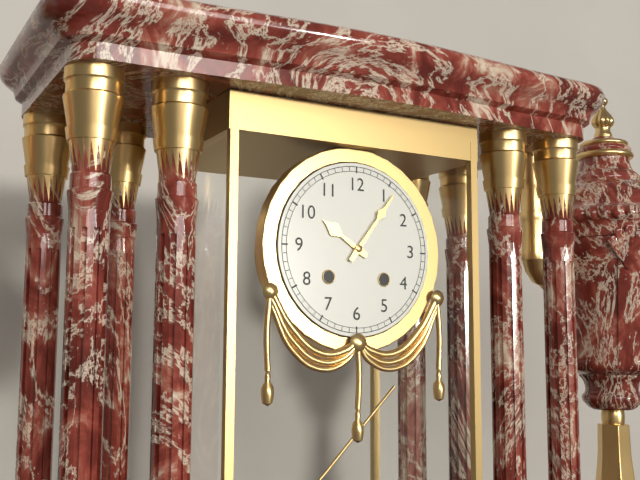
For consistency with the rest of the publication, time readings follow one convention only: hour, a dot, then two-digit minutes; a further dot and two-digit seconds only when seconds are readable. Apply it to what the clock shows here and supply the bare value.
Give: 10.06
